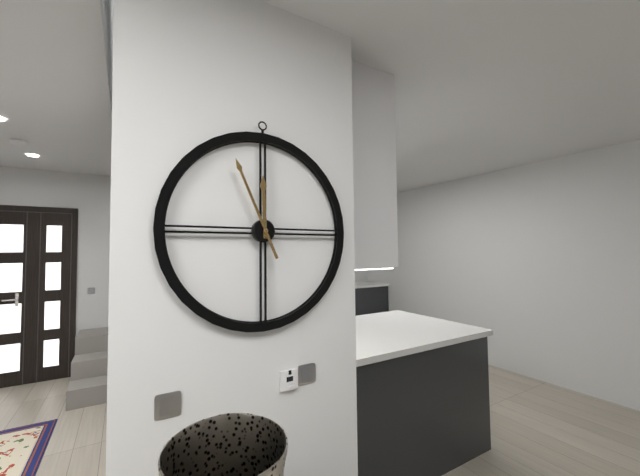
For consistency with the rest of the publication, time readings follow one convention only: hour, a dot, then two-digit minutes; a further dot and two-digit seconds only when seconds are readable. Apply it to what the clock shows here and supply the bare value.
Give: 11.56
